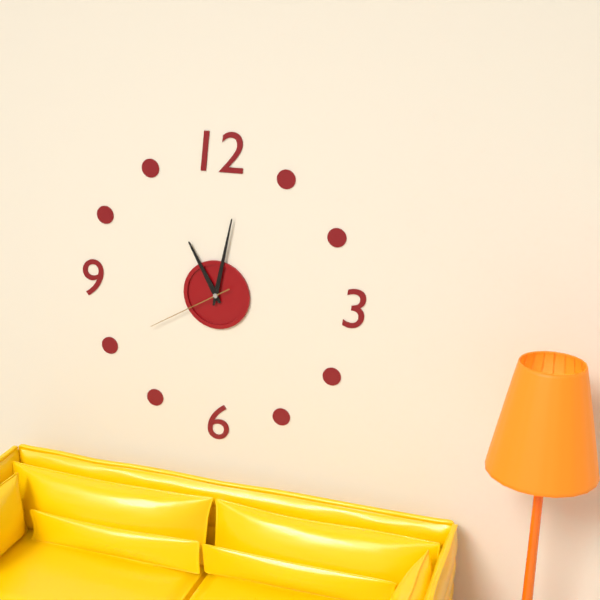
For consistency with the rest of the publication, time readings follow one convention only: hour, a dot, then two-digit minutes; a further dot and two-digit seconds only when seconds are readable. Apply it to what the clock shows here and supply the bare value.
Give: 11.02.40
